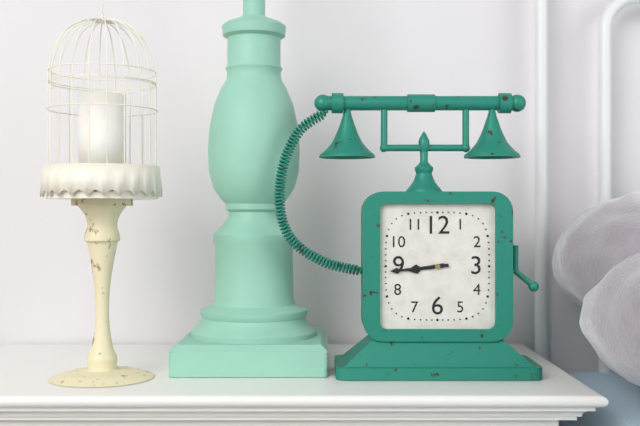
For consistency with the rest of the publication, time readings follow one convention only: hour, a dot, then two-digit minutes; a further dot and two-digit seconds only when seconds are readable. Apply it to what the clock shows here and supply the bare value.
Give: 8.44
